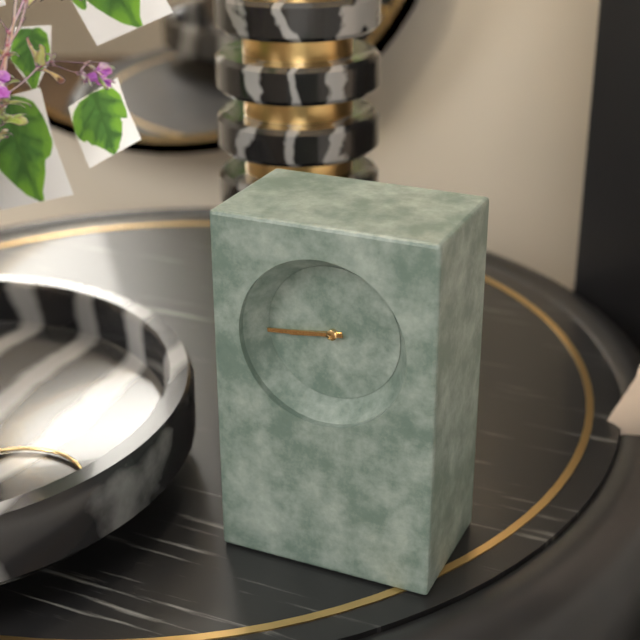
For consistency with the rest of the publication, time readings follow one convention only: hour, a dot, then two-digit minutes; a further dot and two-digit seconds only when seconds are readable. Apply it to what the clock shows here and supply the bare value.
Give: 8.44
